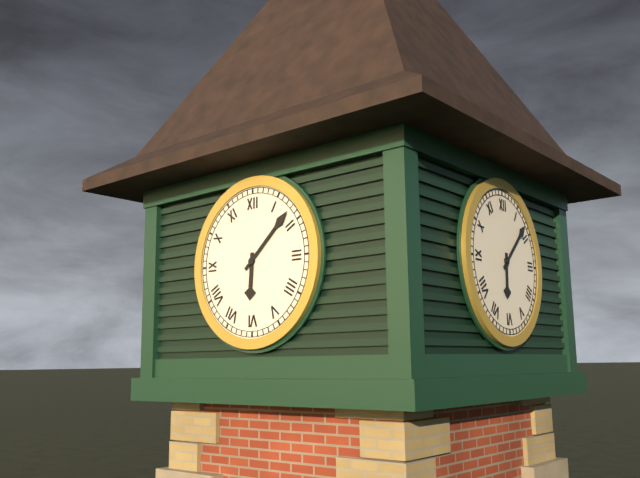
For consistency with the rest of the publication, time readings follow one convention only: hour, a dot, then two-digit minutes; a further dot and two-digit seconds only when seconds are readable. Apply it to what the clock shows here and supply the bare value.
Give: 6.08
